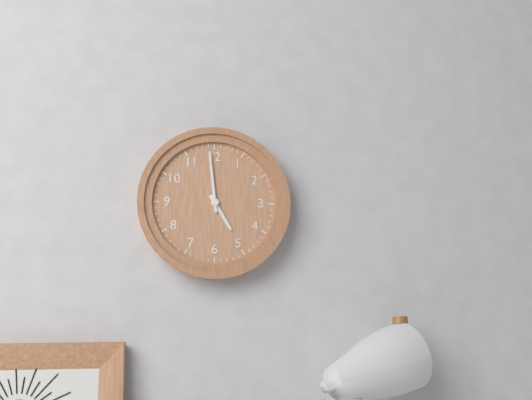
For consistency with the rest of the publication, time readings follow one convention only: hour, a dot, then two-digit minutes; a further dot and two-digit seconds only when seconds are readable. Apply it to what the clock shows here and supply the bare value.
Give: 4.59
